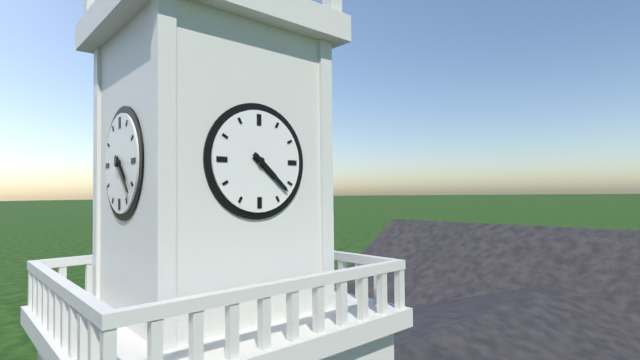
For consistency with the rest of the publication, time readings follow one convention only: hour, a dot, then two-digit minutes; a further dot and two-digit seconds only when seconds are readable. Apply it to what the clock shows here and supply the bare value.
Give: 4.22
